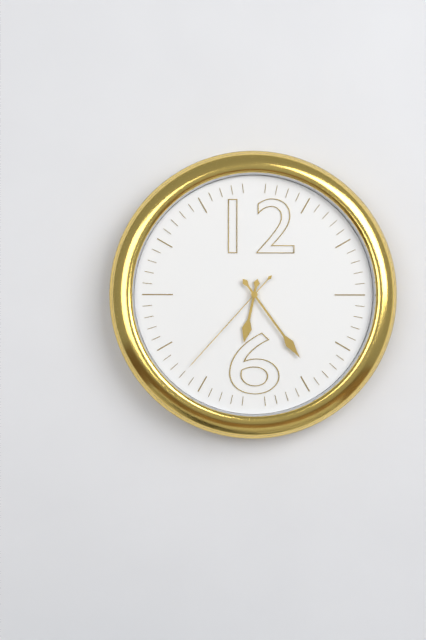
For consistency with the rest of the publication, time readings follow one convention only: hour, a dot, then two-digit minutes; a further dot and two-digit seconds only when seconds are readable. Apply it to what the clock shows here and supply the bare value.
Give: 6.24.37
